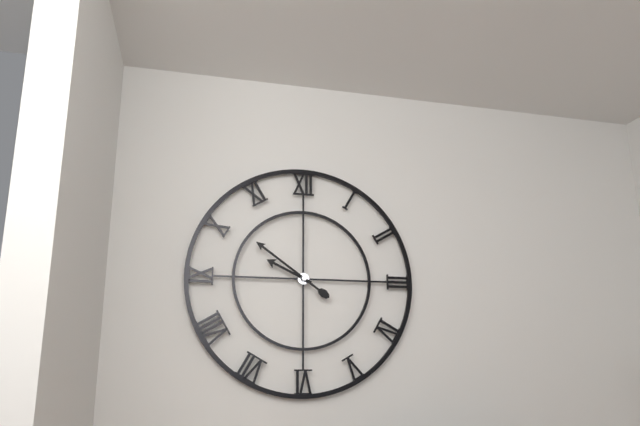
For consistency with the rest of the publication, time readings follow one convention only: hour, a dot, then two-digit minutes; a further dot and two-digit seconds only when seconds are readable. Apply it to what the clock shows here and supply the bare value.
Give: 9.51
